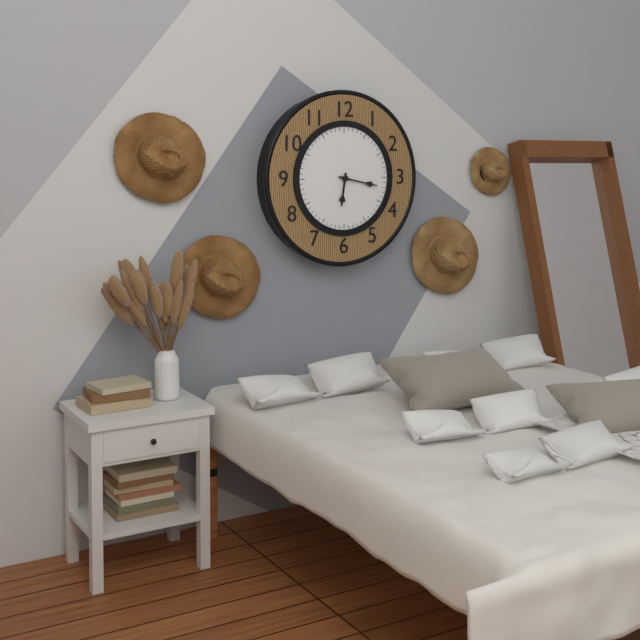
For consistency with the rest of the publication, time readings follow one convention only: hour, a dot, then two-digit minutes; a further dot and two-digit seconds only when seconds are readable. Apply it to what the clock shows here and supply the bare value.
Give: 6.17
